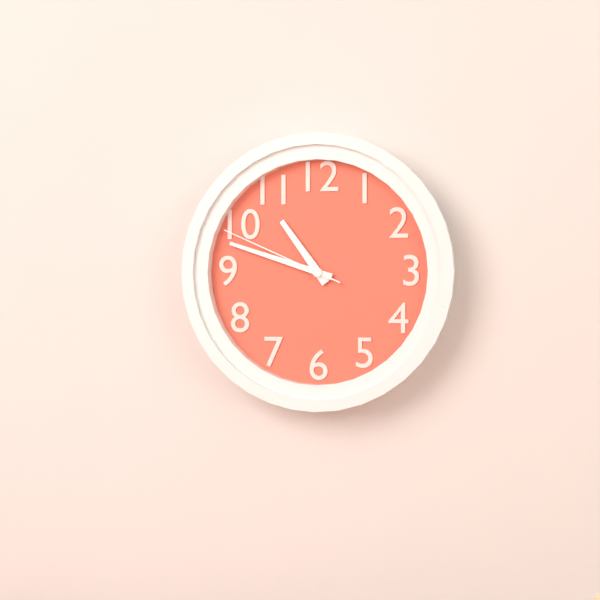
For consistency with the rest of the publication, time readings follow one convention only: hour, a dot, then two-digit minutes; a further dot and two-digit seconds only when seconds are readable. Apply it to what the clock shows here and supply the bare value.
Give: 10.48.49
